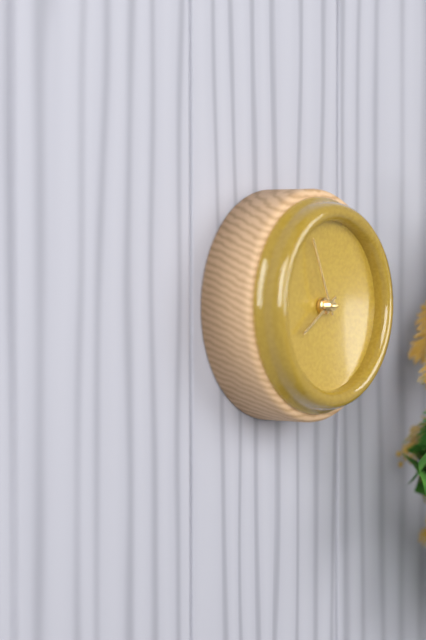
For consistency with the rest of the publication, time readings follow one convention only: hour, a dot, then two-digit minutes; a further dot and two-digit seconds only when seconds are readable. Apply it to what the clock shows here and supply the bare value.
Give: 7.56
